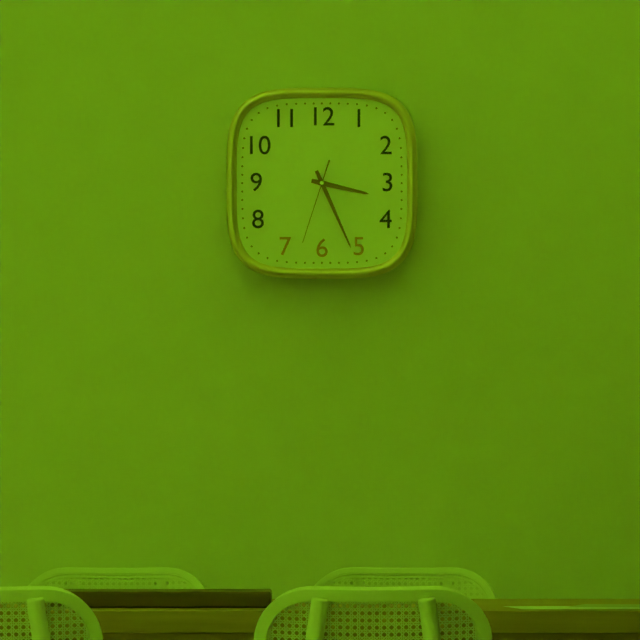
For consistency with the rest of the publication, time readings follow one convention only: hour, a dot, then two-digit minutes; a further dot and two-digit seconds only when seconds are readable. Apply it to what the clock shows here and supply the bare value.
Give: 3.26.33
